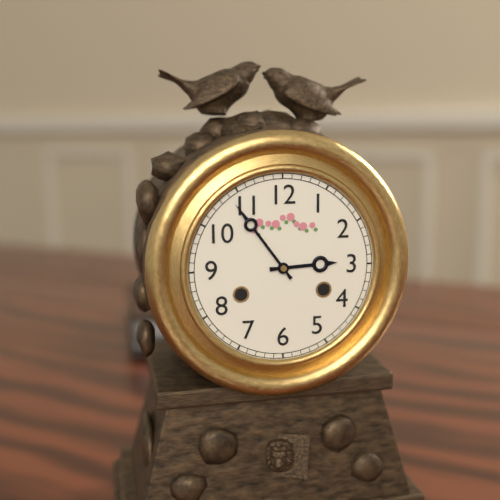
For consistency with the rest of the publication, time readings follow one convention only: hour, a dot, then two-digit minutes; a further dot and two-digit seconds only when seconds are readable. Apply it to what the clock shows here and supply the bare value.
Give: 2.54
